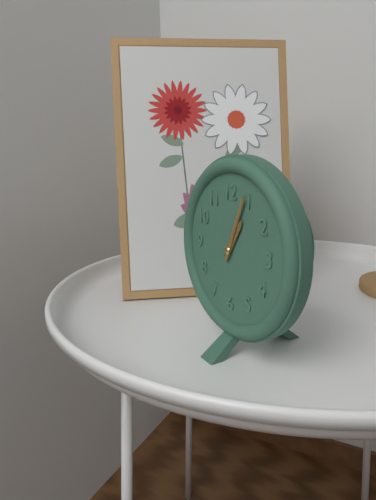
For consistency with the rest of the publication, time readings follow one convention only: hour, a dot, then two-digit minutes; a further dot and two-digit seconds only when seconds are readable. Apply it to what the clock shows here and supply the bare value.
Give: 1.04
